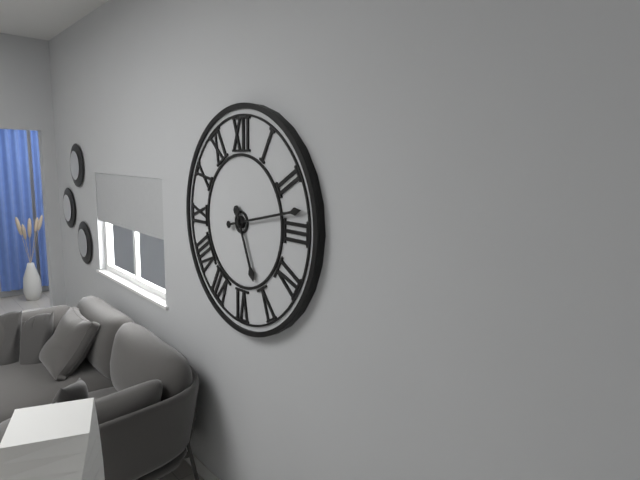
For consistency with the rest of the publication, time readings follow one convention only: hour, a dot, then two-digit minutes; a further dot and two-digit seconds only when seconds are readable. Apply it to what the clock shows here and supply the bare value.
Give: 5.13
